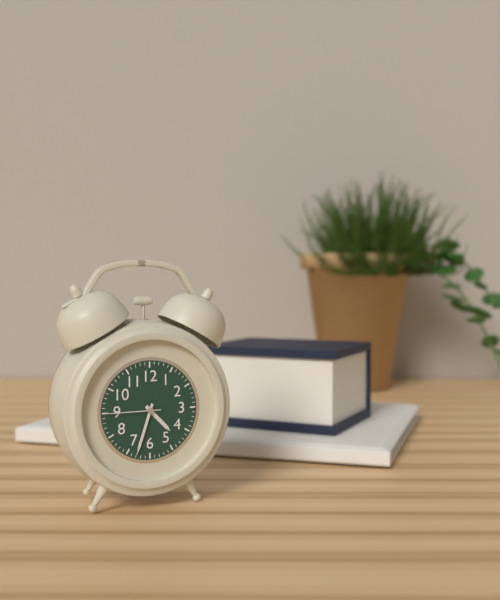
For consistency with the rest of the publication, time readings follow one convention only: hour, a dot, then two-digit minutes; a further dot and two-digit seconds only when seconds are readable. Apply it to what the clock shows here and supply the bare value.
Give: 4.33.45
